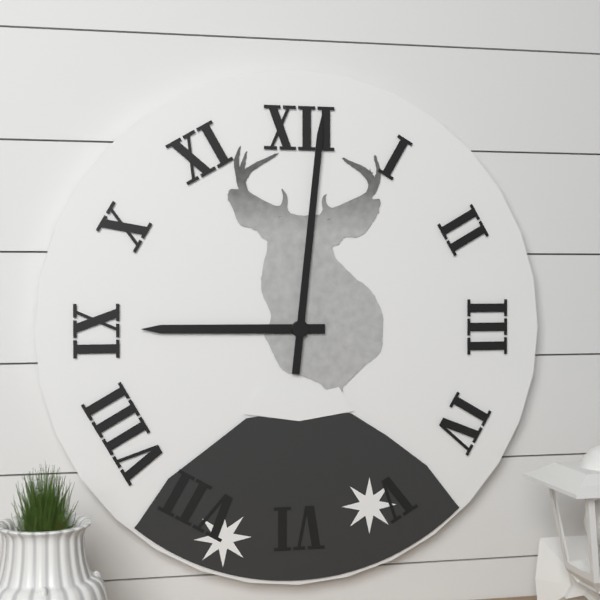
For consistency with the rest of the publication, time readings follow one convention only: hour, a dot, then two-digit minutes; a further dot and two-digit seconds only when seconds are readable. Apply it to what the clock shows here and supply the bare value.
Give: 9.01
